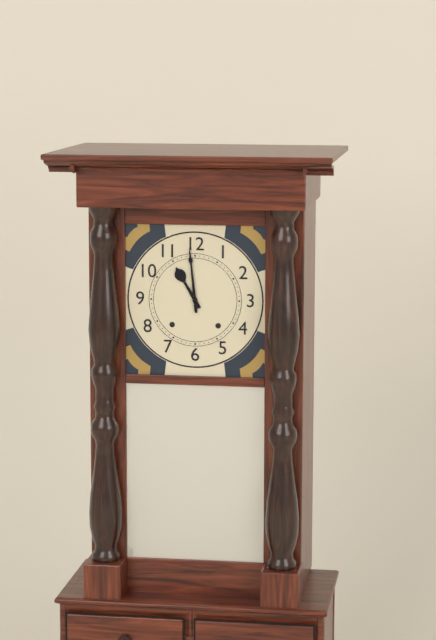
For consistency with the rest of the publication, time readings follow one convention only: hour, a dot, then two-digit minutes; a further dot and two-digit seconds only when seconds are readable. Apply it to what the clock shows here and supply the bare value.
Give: 10.59
